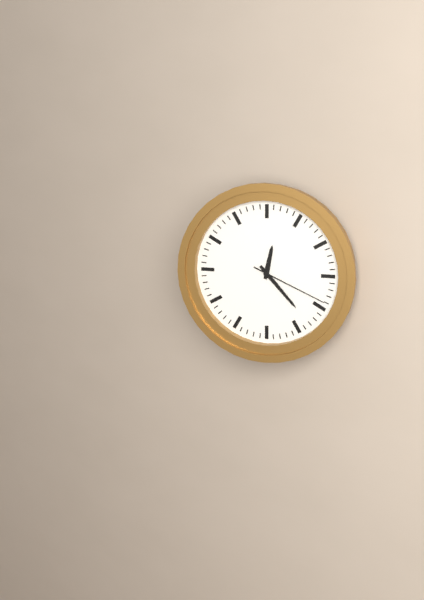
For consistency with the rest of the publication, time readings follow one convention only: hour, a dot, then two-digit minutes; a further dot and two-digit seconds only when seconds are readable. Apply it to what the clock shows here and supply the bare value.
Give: 12.23.19
